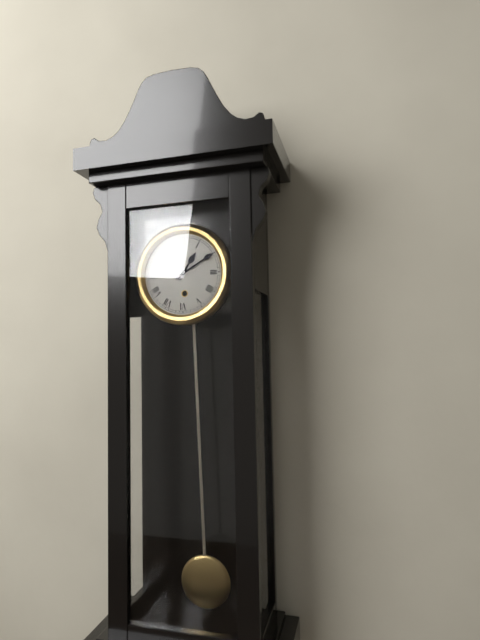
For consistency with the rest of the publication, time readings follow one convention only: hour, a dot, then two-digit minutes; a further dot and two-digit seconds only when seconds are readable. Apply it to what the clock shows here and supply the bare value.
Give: 1.10
